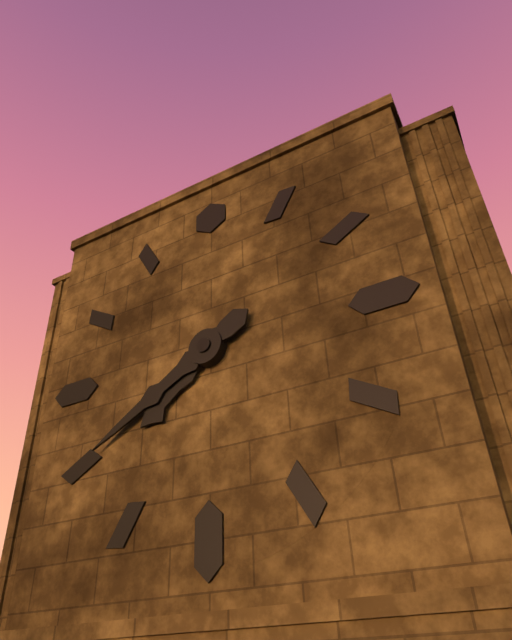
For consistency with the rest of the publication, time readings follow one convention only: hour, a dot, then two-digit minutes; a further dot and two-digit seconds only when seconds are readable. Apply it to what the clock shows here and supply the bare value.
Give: 7.40
